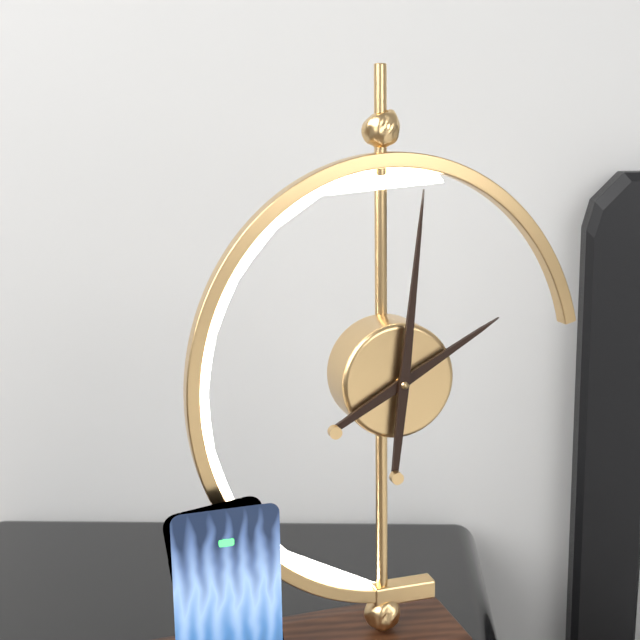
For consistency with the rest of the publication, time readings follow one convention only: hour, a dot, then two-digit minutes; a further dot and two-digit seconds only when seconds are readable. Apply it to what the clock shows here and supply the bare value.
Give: 2.01
